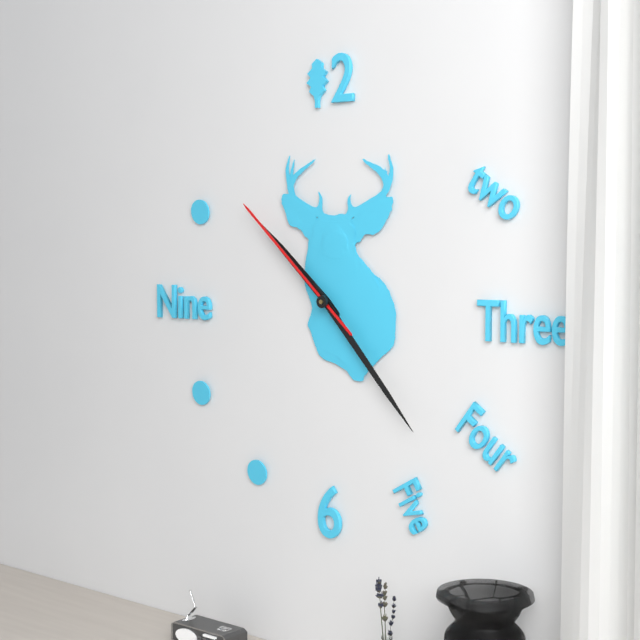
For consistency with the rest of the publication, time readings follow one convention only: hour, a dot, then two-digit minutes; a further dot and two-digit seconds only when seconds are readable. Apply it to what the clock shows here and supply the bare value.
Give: 10.23.52
